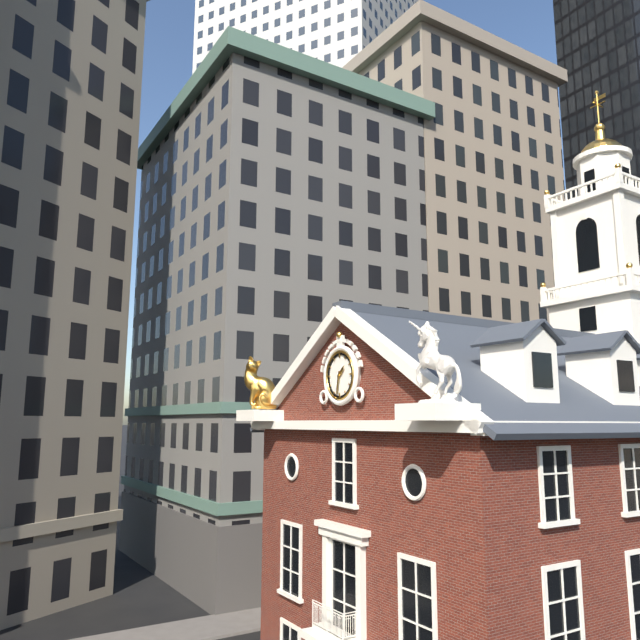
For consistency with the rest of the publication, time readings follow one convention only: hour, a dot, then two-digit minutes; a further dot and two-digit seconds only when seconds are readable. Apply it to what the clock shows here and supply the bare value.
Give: 1.32
